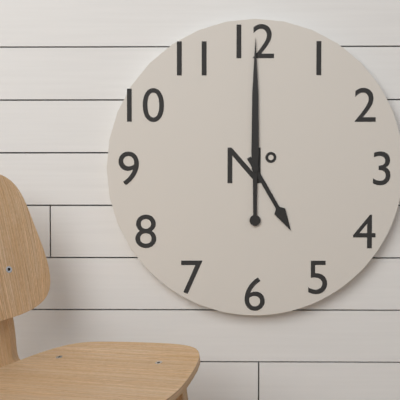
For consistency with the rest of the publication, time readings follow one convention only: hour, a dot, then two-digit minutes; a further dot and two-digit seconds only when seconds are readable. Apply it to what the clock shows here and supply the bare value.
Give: 5.00
